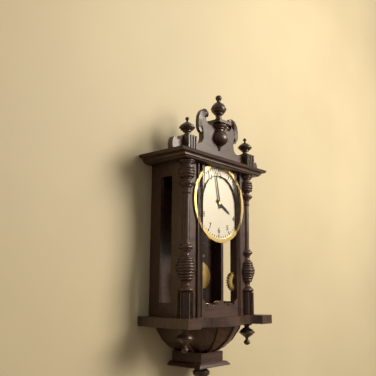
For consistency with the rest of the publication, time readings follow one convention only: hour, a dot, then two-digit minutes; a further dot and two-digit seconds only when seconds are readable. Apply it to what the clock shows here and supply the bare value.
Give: 3.58
